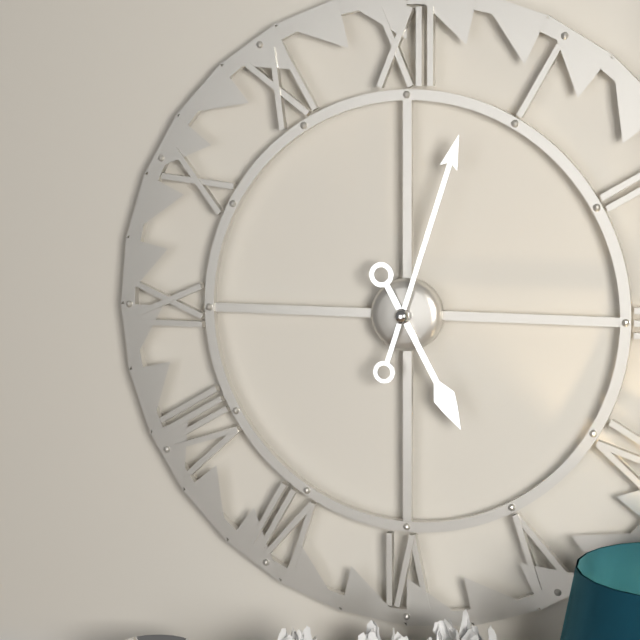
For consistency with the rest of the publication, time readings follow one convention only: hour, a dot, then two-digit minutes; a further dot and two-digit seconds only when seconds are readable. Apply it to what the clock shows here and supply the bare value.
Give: 5.03
